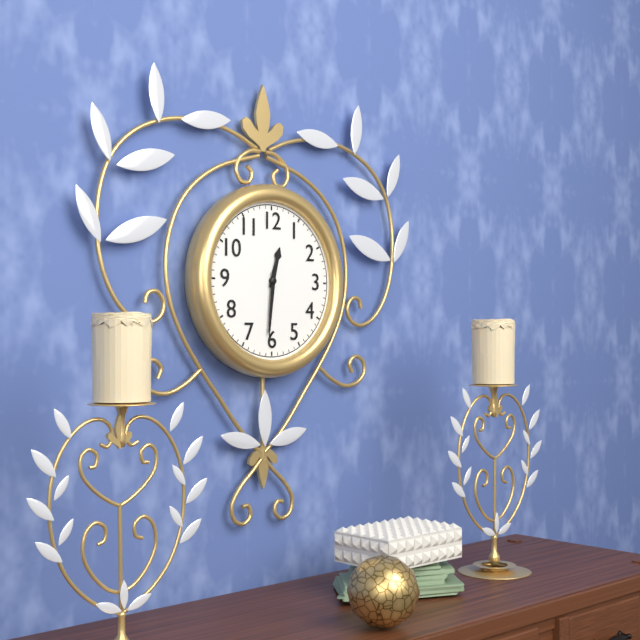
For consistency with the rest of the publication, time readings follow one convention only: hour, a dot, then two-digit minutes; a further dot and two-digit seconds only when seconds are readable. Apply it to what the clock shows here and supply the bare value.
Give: 12.31
